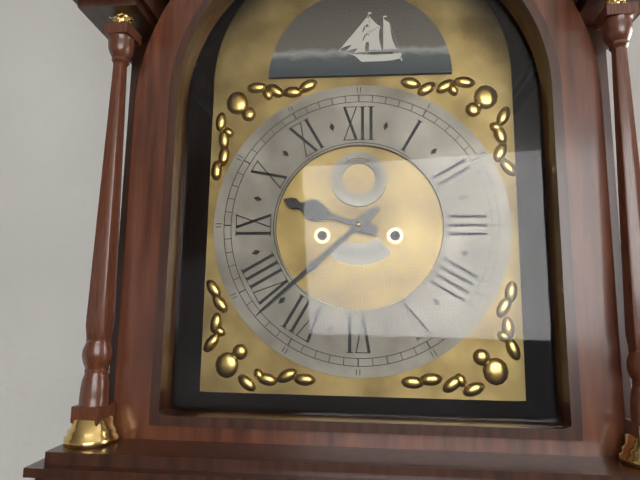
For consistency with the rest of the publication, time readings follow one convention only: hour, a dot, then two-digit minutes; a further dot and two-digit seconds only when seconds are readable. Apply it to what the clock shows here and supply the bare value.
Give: 9.38
